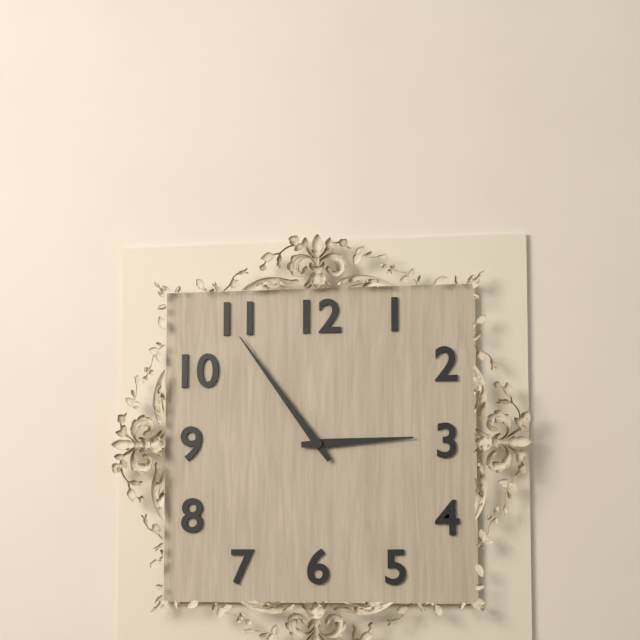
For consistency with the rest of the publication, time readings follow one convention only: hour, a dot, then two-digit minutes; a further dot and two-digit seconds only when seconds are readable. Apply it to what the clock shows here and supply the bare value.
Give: 2.54
